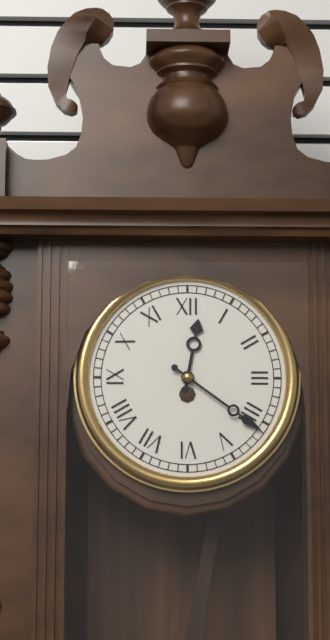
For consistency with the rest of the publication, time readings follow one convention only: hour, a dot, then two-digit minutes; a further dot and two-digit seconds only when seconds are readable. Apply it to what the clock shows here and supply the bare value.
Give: 12.21
